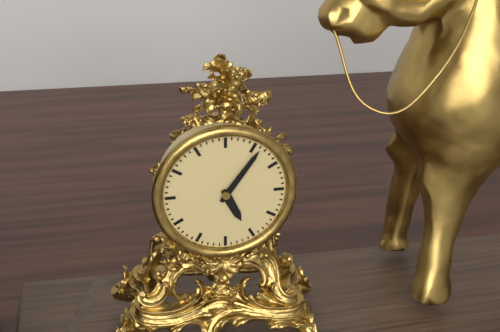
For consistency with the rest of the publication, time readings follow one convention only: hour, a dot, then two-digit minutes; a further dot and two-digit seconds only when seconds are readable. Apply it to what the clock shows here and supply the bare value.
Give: 5.06
